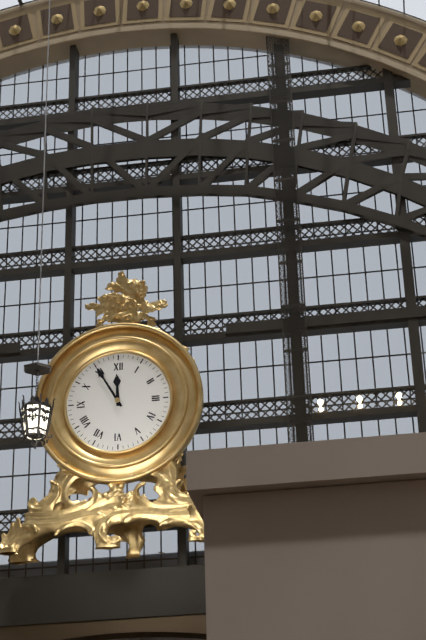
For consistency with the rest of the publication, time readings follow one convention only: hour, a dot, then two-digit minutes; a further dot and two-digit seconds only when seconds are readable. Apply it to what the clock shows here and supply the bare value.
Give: 11.55
